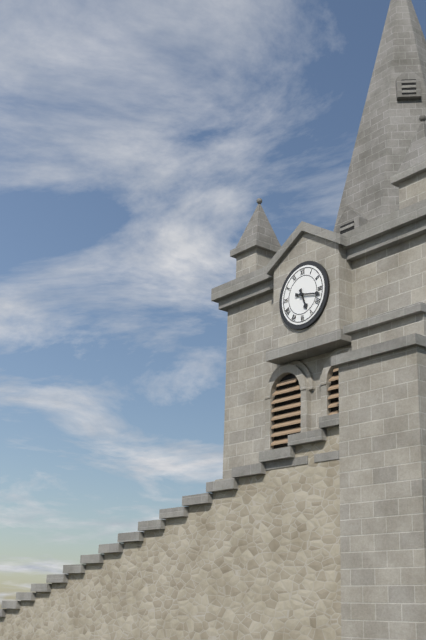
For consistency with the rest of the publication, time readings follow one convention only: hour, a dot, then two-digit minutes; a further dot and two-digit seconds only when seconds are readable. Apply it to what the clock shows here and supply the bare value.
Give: 5.17
